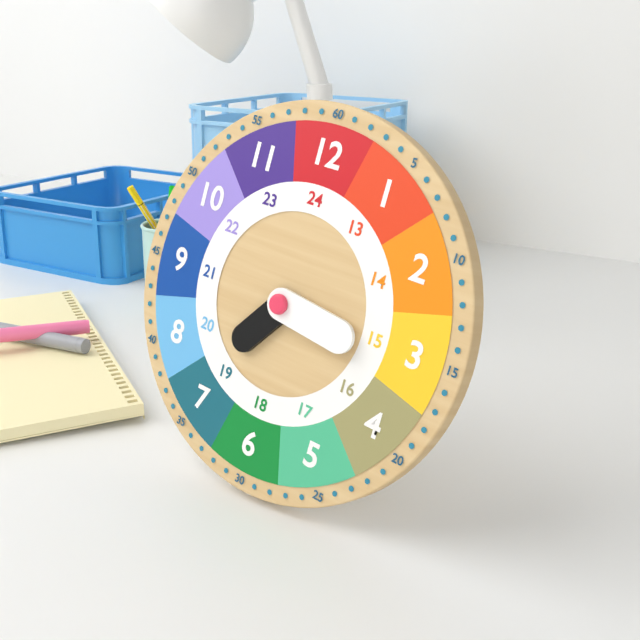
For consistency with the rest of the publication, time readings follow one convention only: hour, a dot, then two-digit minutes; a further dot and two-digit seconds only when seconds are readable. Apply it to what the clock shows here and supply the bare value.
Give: 7.16
